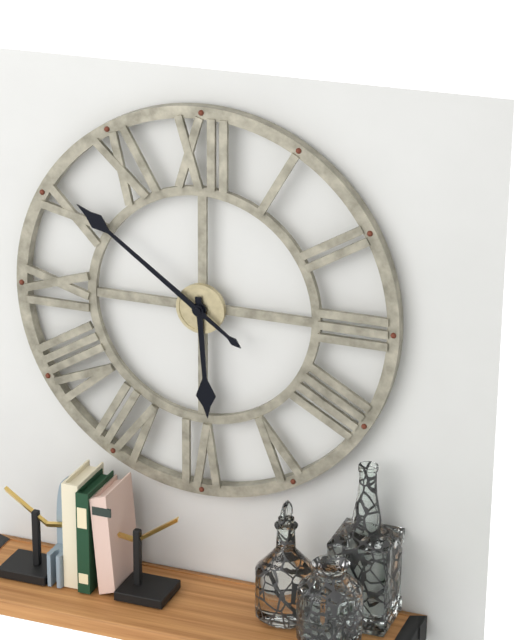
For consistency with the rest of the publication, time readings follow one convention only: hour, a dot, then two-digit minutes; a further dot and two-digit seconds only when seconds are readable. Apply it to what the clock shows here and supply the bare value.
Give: 5.51
